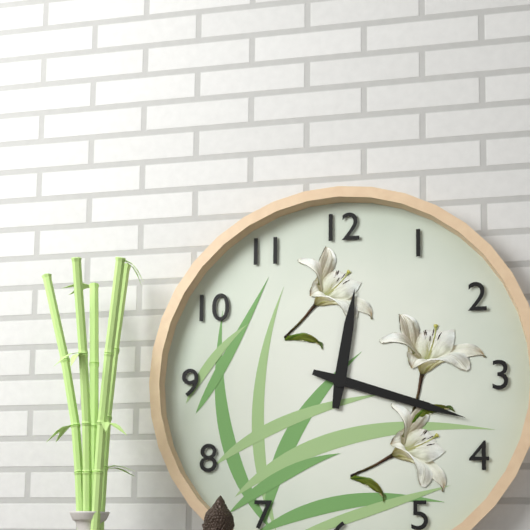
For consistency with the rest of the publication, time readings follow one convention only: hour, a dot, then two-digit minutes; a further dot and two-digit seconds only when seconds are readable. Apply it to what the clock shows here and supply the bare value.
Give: 12.18
